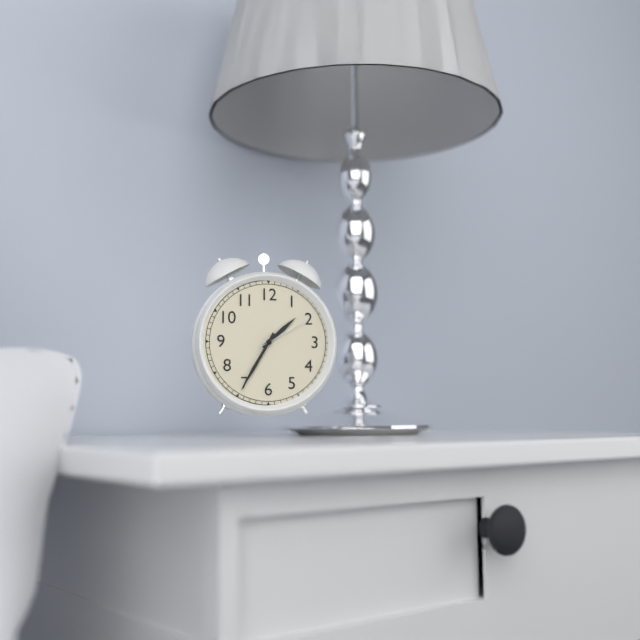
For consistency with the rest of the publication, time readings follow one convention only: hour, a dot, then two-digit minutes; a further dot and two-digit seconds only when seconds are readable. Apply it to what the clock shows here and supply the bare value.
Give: 1.35.10
